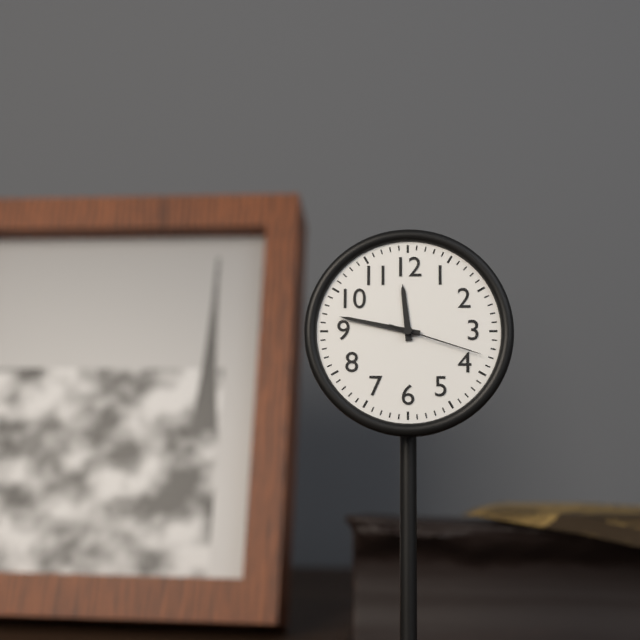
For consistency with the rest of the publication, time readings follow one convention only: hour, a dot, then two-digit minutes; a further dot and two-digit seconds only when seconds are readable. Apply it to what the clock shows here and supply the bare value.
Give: 11.47.18
